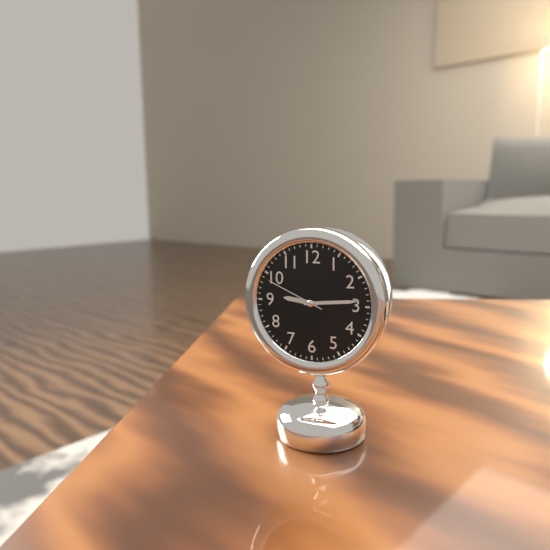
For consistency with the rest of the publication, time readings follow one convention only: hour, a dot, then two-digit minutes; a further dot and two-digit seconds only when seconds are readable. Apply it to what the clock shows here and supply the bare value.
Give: 9.14.49
